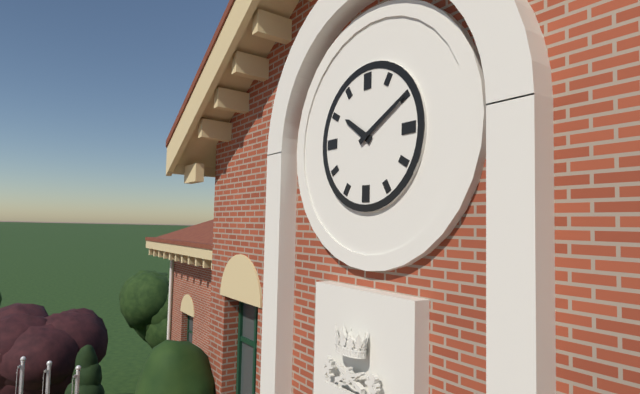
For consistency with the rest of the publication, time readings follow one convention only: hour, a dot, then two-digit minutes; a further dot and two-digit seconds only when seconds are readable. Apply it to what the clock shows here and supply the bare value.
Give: 10.10
